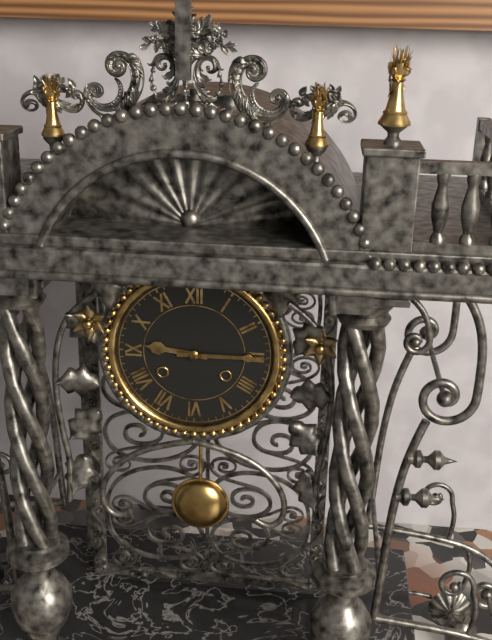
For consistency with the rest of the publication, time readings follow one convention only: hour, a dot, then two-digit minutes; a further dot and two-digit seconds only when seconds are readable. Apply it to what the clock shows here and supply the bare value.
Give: 9.15
